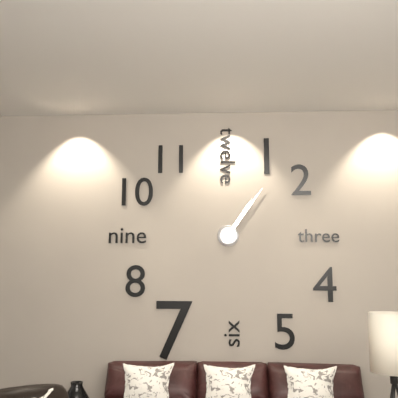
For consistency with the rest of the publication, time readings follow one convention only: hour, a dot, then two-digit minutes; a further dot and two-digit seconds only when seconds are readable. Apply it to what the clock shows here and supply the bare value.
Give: 1.06
